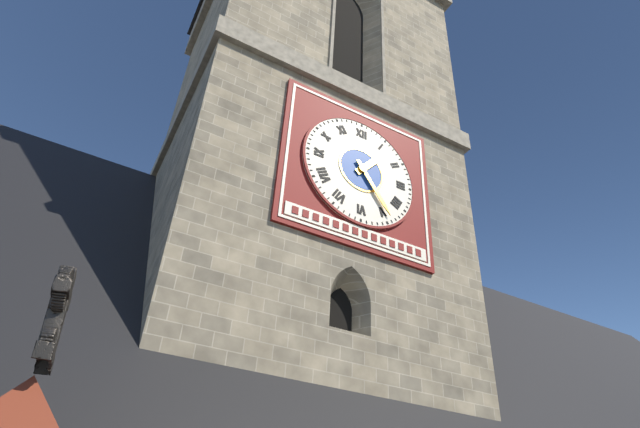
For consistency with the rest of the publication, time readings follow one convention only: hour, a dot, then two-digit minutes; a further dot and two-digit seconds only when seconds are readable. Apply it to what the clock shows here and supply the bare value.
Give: 1.24
